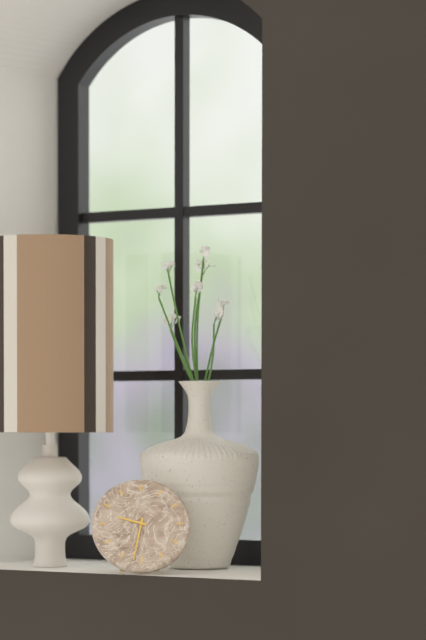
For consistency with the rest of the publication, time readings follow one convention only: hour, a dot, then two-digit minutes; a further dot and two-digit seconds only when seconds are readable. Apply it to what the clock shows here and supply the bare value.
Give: 9.32
